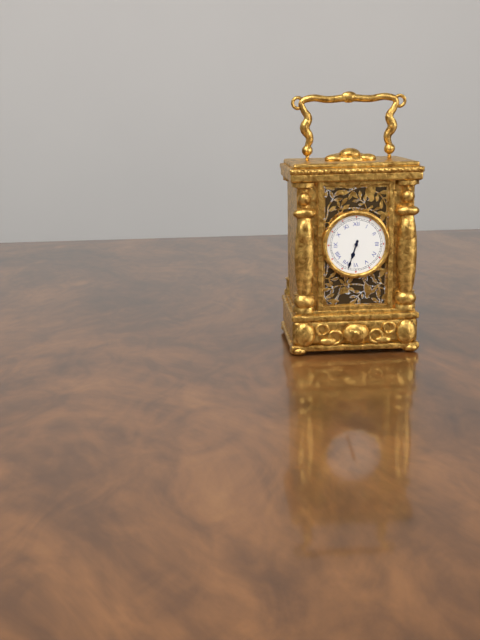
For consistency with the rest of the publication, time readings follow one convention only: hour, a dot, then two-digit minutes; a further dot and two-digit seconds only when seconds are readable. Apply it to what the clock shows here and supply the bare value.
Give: 6.33
